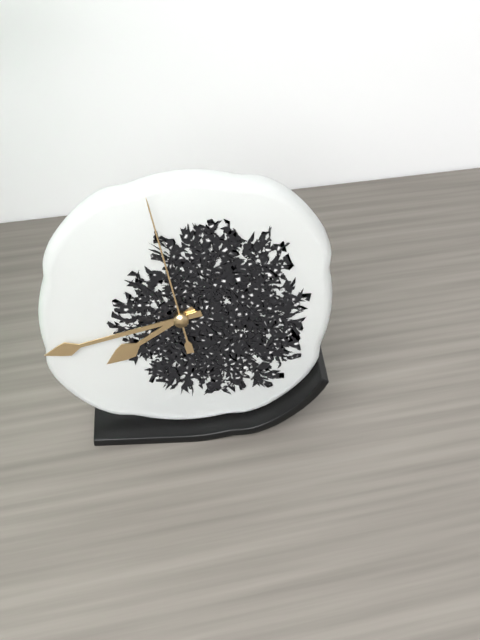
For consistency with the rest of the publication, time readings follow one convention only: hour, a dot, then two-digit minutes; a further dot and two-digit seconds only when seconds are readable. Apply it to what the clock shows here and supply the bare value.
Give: 7.42.58
